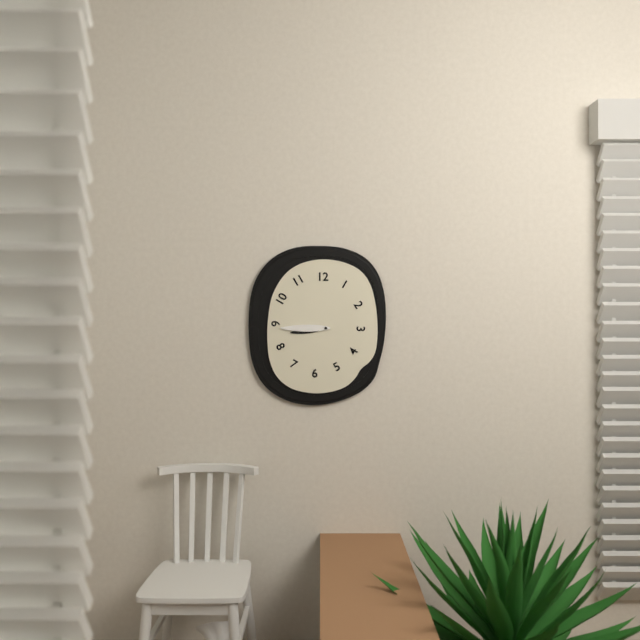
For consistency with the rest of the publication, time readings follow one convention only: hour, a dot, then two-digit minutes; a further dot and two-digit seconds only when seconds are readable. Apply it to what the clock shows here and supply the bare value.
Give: 8.45
